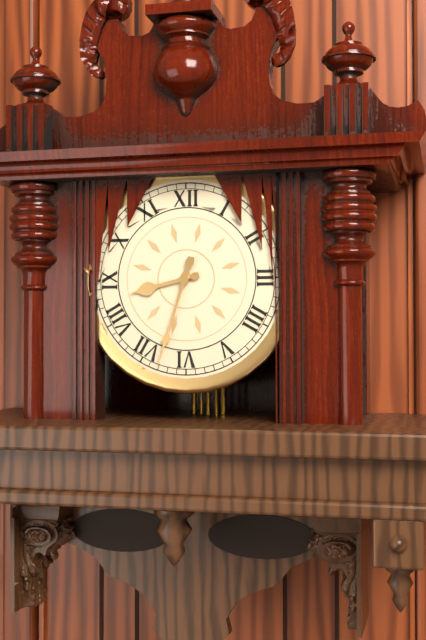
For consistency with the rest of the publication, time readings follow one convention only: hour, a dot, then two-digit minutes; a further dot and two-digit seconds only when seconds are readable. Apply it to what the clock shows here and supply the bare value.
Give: 8.33
